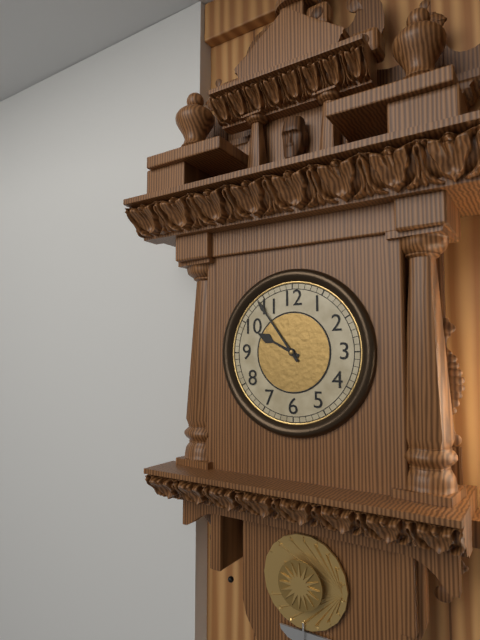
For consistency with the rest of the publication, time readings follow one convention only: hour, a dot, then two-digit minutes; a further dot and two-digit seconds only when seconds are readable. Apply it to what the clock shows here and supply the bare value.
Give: 9.54
